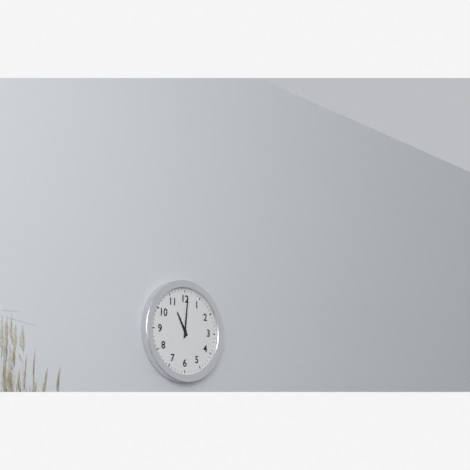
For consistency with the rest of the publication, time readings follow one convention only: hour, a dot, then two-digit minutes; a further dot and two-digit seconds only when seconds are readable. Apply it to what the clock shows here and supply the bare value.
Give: 11.01
